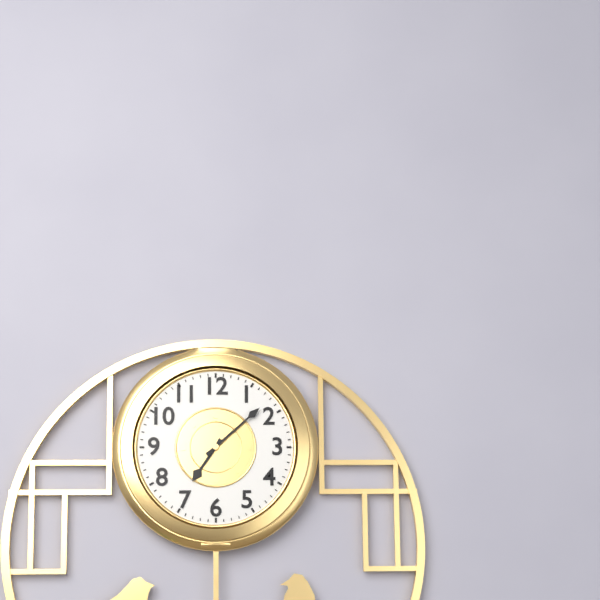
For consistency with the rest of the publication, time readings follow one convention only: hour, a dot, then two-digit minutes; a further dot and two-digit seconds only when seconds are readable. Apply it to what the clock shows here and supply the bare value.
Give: 7.08
